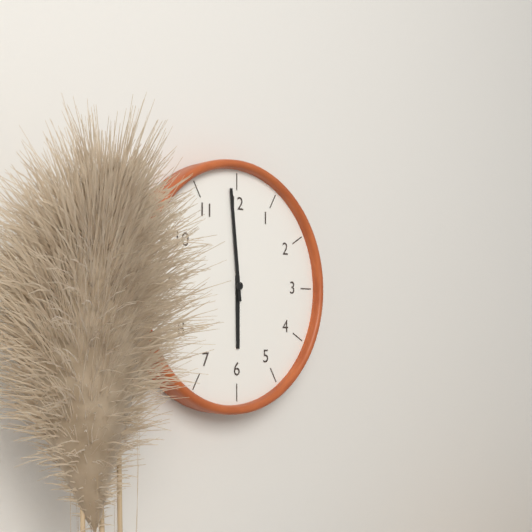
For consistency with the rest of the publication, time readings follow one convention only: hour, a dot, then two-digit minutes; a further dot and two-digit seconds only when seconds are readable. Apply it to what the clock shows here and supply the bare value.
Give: 5.59
